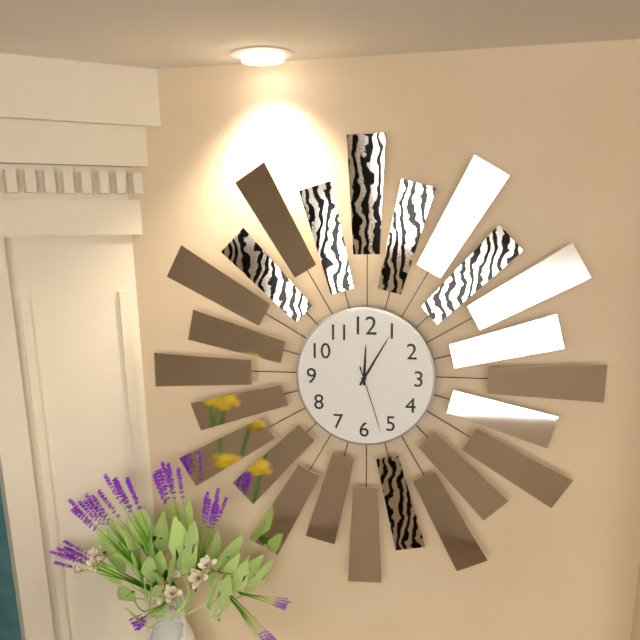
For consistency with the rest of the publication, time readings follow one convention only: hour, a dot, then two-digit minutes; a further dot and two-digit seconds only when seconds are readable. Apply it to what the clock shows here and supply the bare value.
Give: 12.05.27
